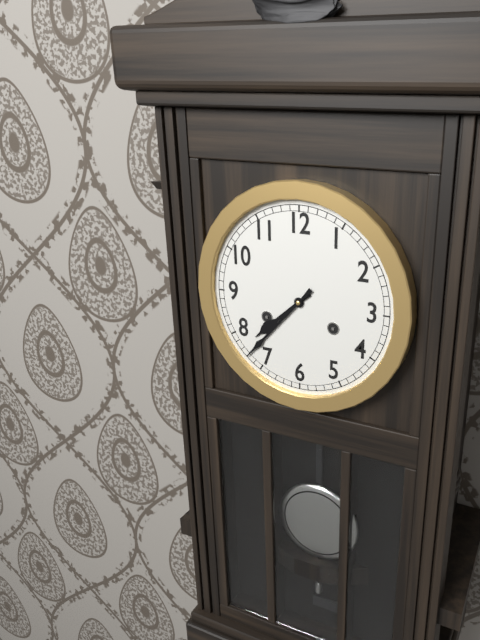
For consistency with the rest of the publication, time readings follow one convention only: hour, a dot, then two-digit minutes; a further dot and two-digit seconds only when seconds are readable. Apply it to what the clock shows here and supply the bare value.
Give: 7.37
